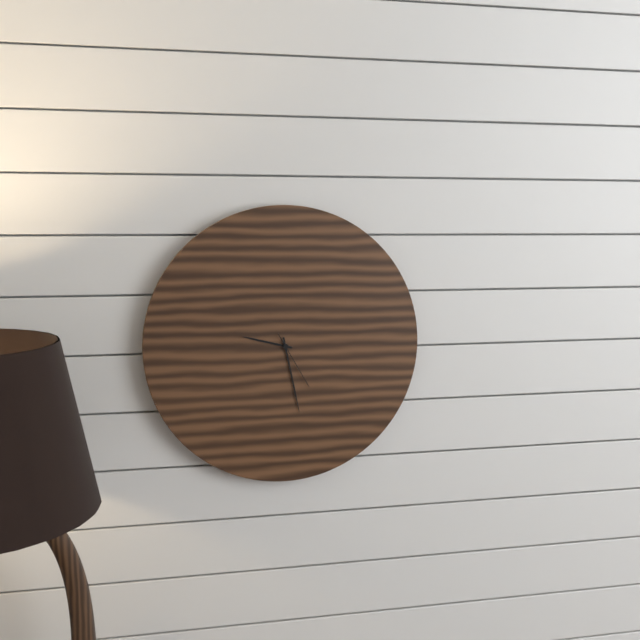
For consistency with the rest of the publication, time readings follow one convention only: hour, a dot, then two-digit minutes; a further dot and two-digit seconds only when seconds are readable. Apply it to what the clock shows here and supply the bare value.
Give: 9.28.25
